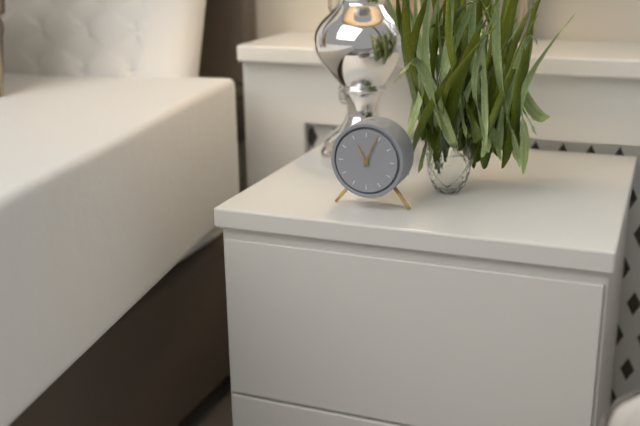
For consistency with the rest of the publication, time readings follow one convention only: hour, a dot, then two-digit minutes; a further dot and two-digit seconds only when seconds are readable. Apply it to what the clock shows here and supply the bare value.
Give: 11.04
